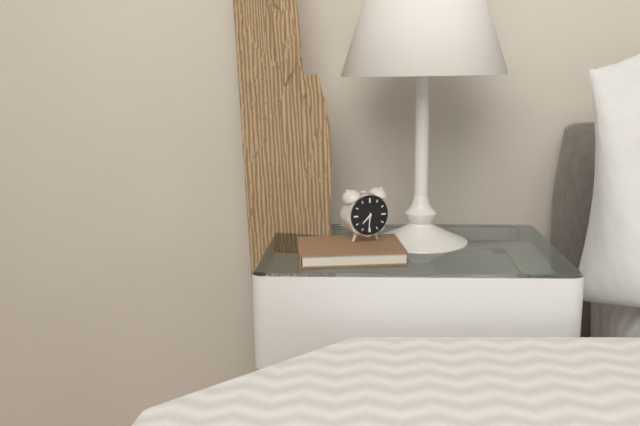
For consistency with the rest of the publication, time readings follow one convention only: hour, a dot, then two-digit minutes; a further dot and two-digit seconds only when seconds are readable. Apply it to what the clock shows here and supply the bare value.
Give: 7.31
